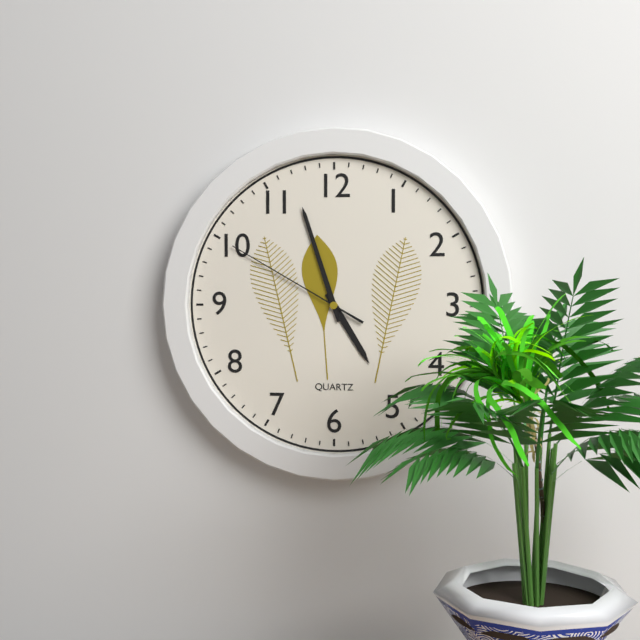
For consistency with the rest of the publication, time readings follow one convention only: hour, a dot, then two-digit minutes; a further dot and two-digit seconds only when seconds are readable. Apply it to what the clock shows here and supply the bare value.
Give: 4.57.50
